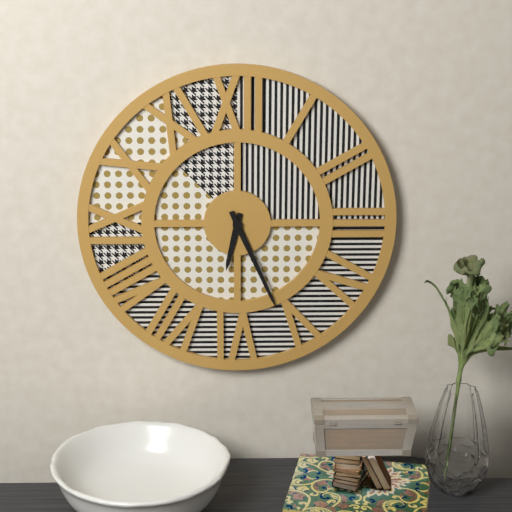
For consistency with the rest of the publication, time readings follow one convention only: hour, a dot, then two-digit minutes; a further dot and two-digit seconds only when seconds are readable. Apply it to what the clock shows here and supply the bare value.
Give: 6.26
